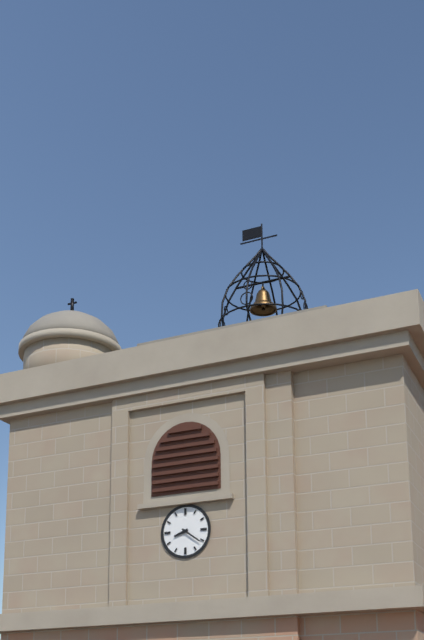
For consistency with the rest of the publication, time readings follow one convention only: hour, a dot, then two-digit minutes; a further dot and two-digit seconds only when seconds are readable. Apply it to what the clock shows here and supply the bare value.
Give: 8.21
